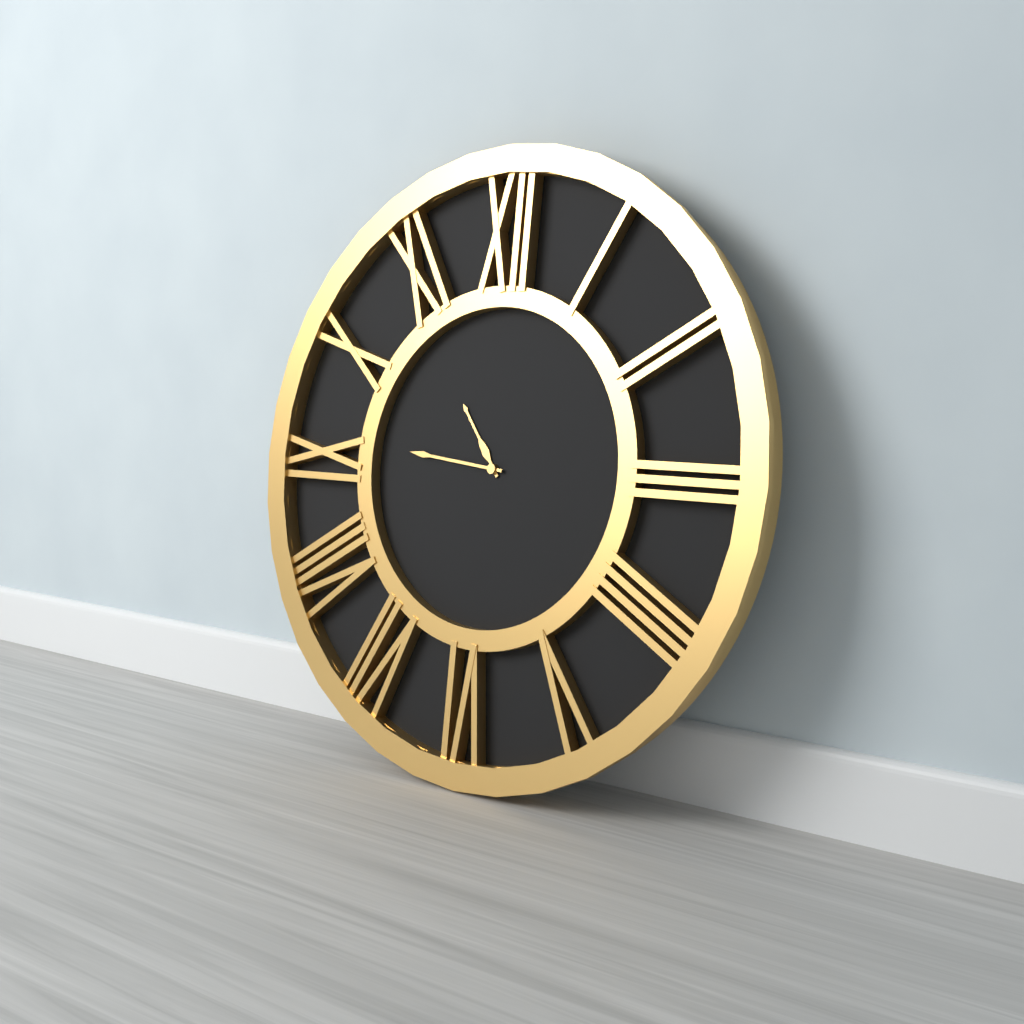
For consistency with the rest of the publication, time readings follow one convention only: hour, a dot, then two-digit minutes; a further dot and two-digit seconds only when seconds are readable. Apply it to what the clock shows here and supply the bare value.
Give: 10.46
